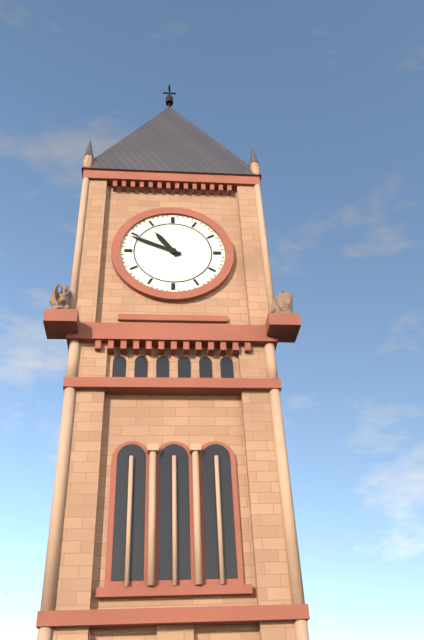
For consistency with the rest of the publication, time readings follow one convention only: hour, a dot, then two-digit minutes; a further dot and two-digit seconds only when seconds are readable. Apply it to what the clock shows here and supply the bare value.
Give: 10.49
